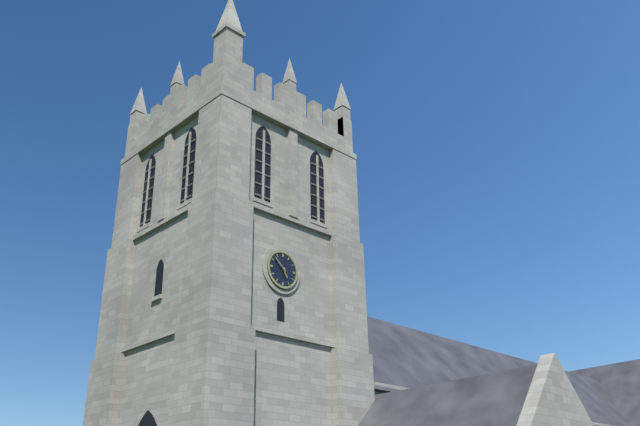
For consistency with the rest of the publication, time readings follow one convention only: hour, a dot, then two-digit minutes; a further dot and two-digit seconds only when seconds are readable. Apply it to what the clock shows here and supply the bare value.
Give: 4.52
